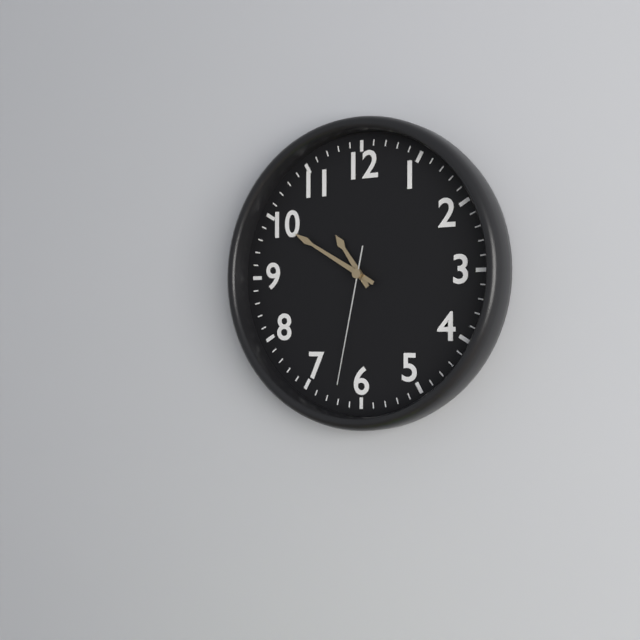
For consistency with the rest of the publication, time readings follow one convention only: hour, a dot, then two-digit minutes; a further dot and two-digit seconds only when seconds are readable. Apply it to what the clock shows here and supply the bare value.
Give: 10.50.32
